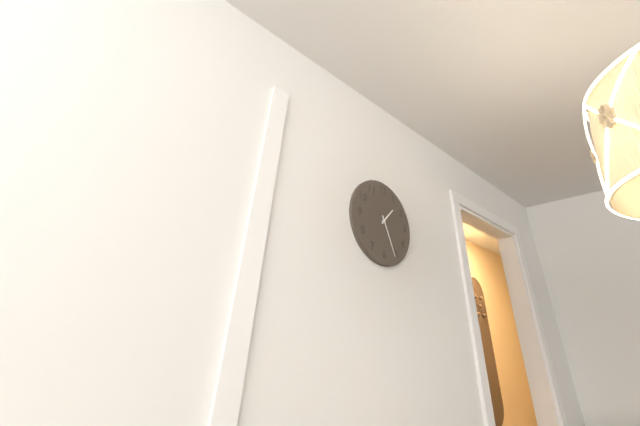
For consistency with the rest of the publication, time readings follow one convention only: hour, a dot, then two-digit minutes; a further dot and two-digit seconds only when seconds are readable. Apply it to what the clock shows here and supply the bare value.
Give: 1.26
